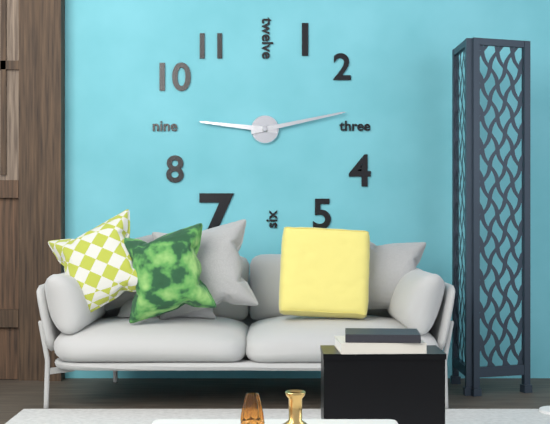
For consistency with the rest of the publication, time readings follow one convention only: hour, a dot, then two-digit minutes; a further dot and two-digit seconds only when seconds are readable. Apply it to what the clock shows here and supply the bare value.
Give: 9.13
